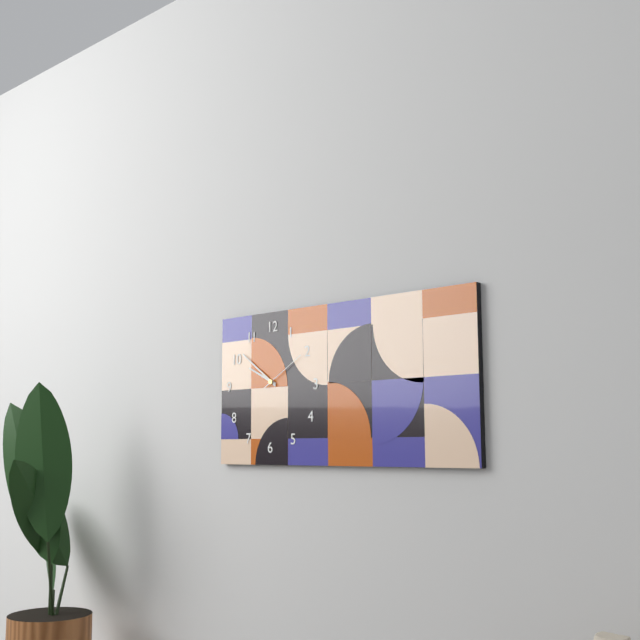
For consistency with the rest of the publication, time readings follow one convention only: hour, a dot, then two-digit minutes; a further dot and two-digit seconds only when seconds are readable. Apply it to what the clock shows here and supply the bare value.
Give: 9.51.10
